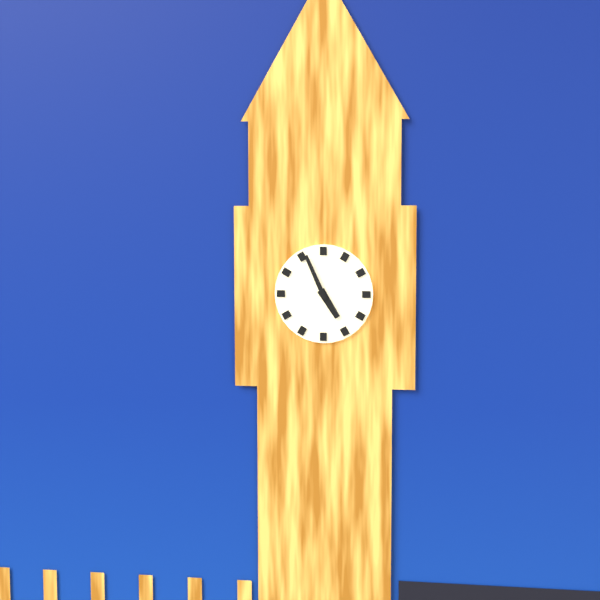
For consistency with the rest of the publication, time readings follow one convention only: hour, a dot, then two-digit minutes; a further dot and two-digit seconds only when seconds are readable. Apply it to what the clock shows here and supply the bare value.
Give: 4.56
